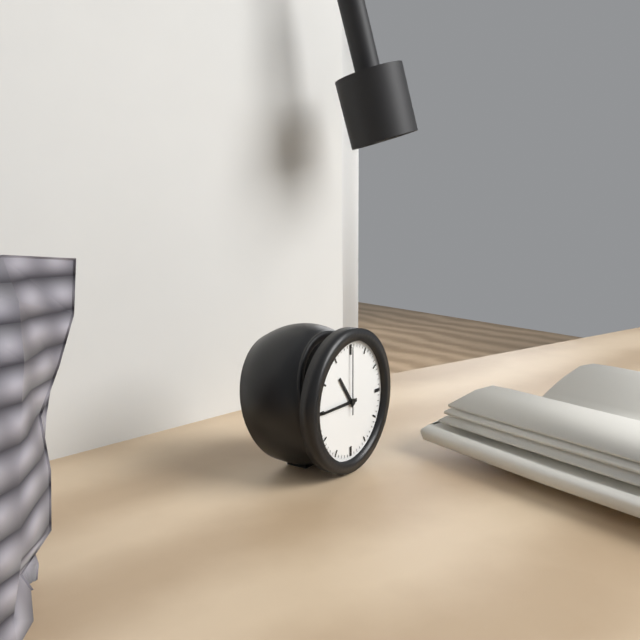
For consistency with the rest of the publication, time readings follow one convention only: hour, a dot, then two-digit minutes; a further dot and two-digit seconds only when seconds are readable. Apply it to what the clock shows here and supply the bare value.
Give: 10.45.00
